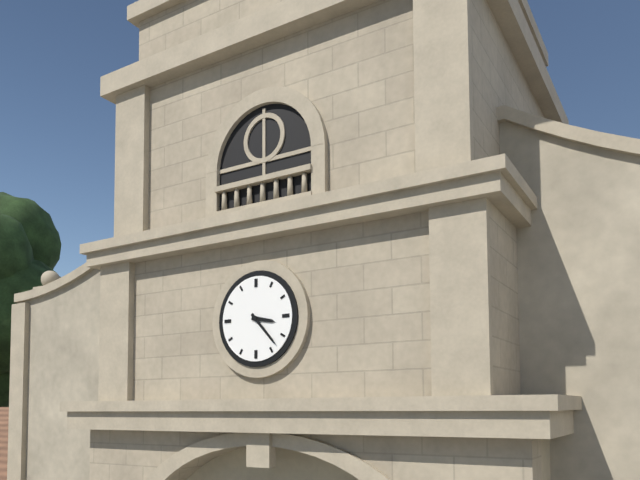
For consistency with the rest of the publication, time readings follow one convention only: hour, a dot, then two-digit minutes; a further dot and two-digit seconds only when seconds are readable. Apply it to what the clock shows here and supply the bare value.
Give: 3.23
